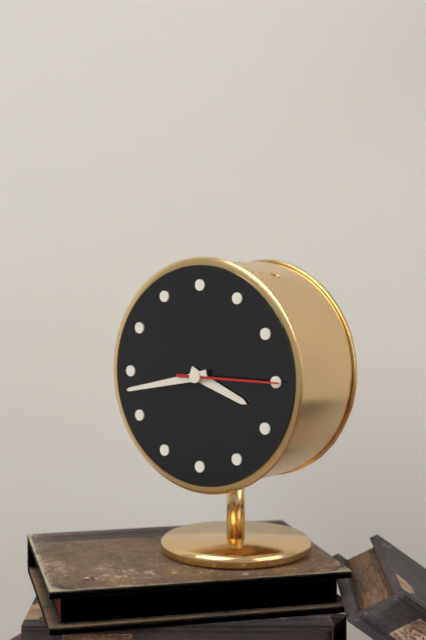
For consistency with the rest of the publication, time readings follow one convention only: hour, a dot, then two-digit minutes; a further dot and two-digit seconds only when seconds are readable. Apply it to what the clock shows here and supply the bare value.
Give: 3.43.15
